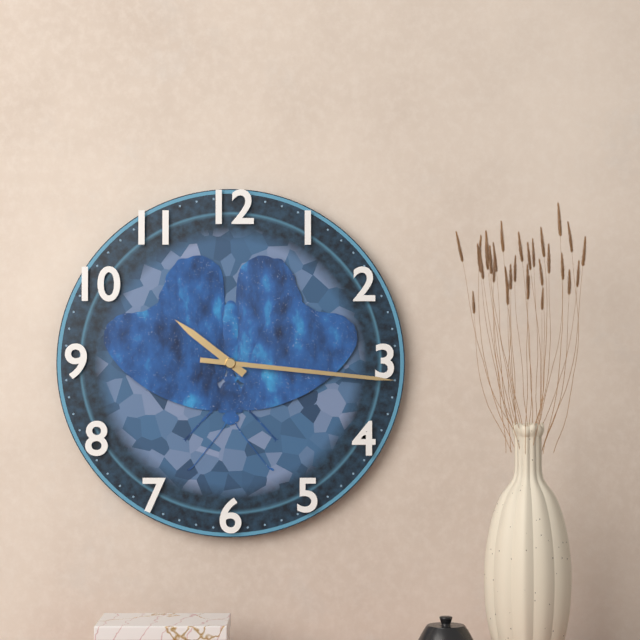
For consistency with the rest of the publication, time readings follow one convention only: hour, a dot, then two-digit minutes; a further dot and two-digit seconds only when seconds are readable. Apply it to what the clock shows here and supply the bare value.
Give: 10.16
